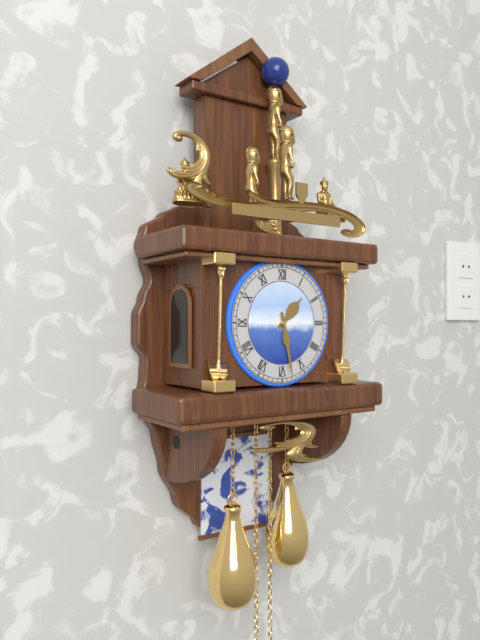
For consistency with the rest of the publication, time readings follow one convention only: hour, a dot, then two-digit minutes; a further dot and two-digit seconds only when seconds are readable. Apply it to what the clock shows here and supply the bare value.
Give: 1.28
